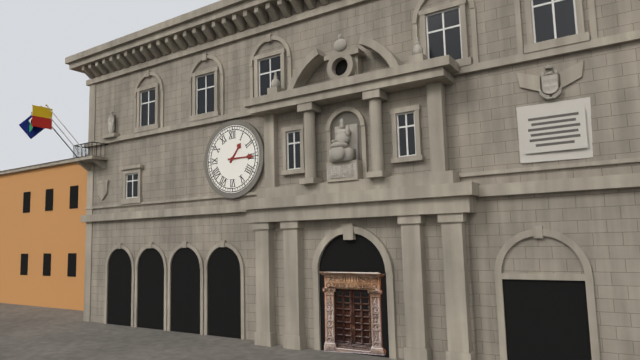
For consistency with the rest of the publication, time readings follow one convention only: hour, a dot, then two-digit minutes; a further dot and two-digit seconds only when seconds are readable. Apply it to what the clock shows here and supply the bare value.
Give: 1.15
